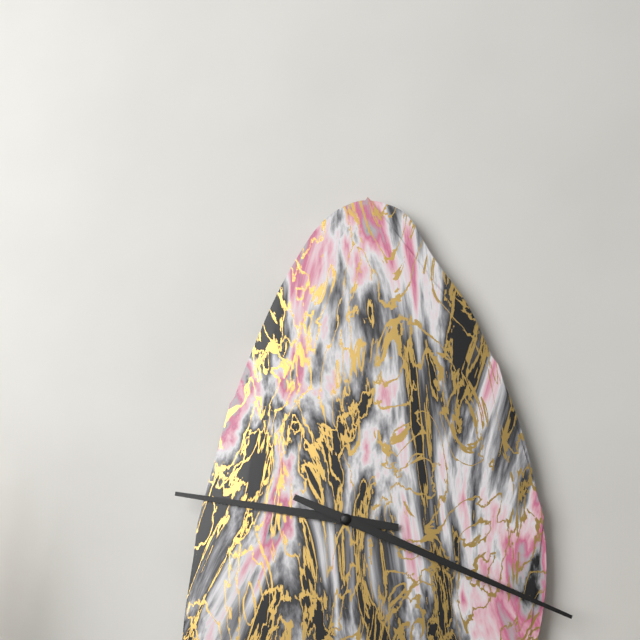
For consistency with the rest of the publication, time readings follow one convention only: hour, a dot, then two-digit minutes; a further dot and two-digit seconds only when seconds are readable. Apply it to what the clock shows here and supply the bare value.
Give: 9.19
